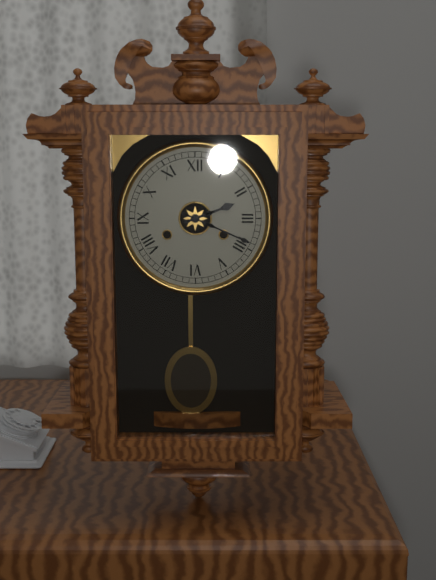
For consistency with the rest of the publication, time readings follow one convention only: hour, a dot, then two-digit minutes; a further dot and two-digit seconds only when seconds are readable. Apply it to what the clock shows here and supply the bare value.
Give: 2.19
